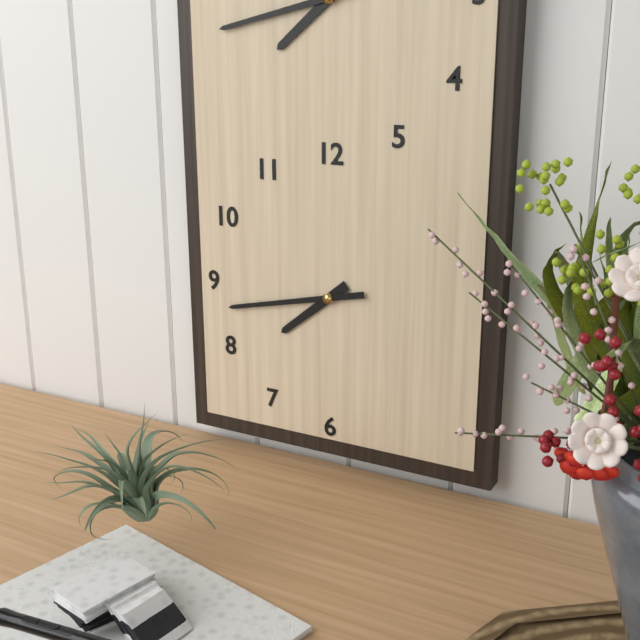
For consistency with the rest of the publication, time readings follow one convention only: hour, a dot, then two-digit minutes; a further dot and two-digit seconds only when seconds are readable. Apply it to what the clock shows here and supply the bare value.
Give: 7.43
